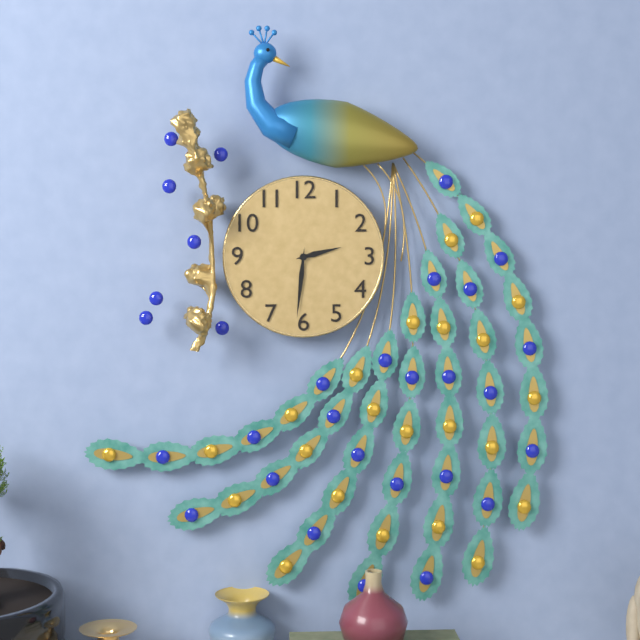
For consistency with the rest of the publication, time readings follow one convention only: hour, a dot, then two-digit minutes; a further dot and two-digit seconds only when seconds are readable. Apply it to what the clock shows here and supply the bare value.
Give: 2.31
